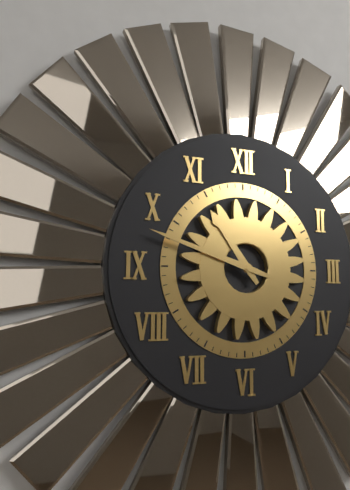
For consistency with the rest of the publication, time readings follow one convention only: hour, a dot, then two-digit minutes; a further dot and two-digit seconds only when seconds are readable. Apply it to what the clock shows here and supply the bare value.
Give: 10.48
